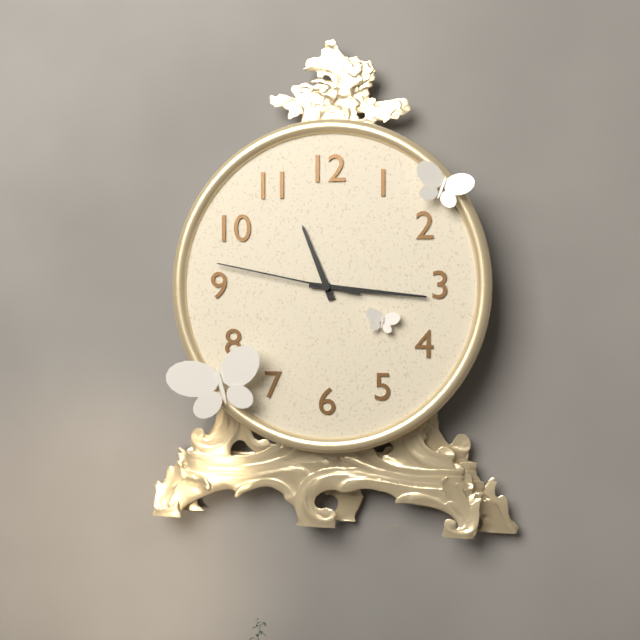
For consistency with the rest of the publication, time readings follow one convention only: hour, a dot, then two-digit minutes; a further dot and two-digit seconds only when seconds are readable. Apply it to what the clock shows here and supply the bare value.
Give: 11.16.47
